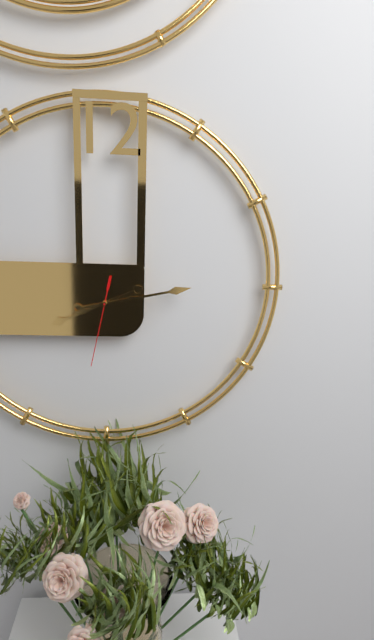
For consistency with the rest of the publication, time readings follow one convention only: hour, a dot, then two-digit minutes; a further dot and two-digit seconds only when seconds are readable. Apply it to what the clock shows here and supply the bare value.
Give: 8.13.32
